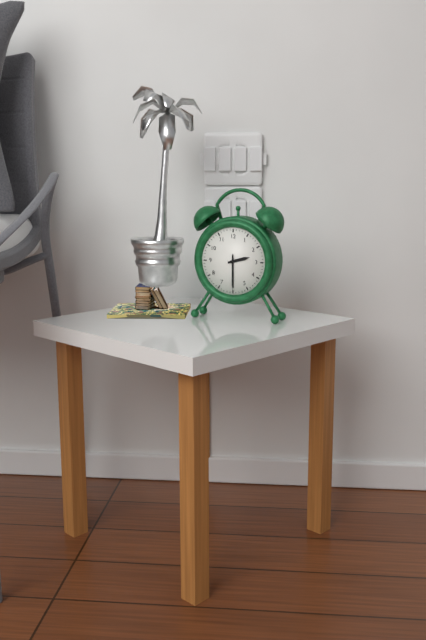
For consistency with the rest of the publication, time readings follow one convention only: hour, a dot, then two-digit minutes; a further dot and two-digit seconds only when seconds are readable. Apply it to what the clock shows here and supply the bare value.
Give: 2.30
